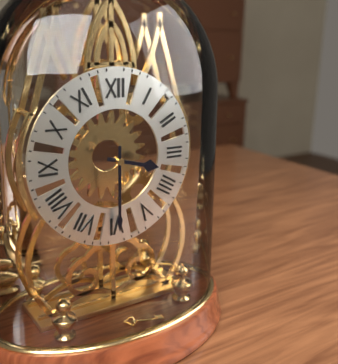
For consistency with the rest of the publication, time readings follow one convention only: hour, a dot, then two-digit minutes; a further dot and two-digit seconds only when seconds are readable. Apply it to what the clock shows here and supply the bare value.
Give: 3.30
